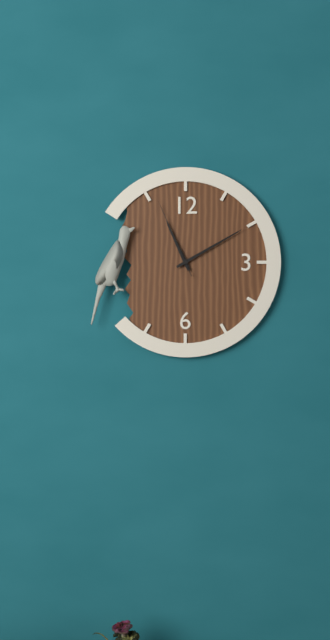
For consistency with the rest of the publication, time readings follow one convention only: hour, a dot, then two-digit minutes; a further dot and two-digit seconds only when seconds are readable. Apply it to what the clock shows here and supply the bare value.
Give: 11.10.56
